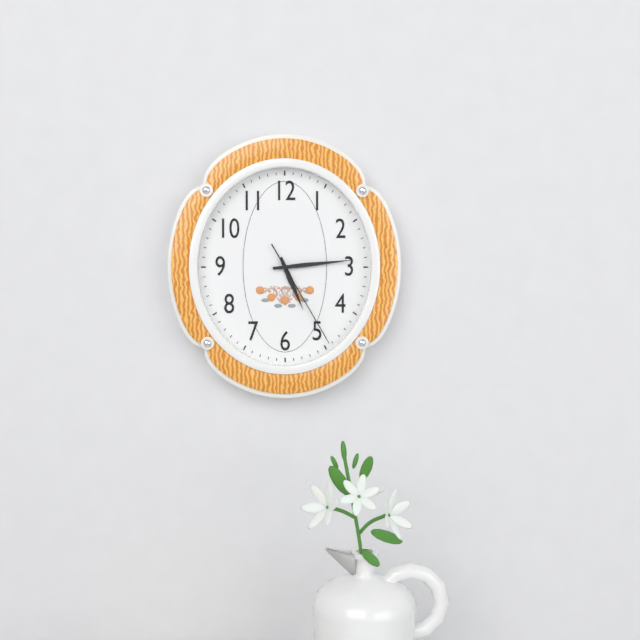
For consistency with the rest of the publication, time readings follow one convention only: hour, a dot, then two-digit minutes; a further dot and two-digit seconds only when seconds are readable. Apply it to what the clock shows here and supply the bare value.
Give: 5.14.25
